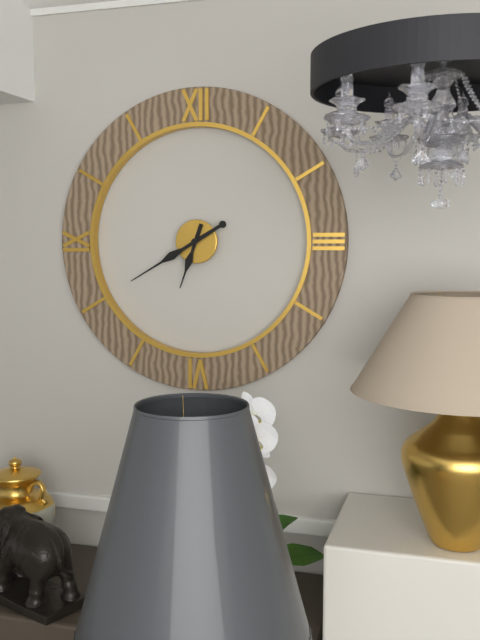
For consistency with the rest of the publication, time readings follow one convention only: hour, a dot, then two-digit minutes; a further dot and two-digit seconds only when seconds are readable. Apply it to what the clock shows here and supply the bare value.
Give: 6.40
